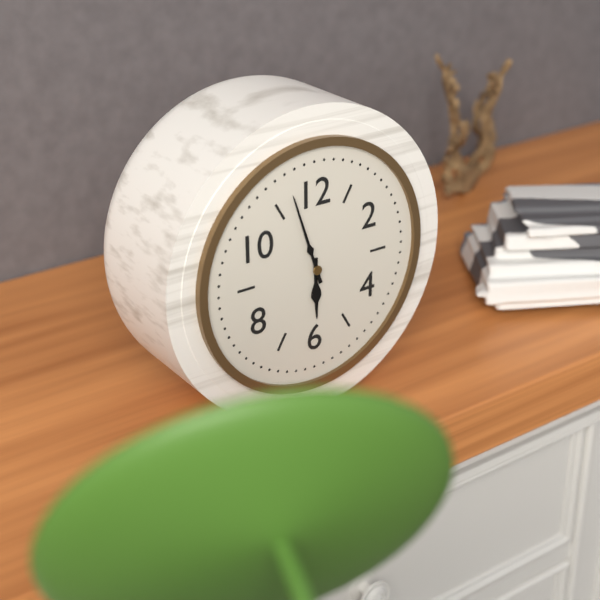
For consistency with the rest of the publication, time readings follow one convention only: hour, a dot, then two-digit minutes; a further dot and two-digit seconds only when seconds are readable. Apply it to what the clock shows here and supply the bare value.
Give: 5.57
